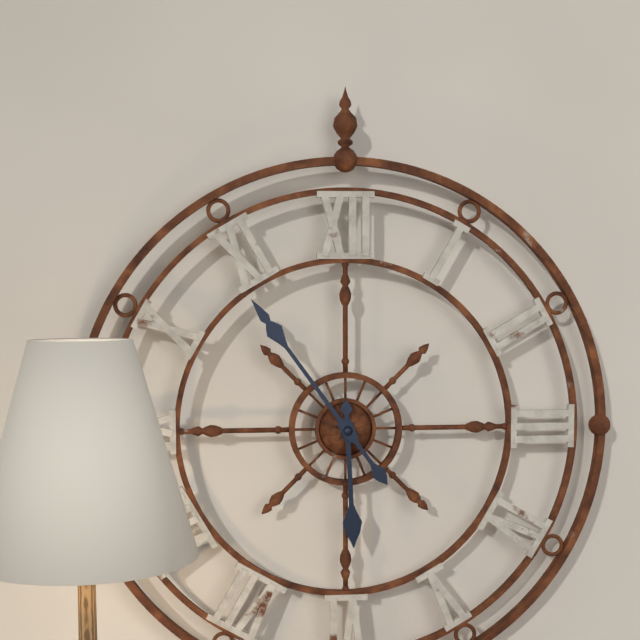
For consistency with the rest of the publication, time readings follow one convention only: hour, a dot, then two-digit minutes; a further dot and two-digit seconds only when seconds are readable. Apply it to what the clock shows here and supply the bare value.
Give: 5.54
